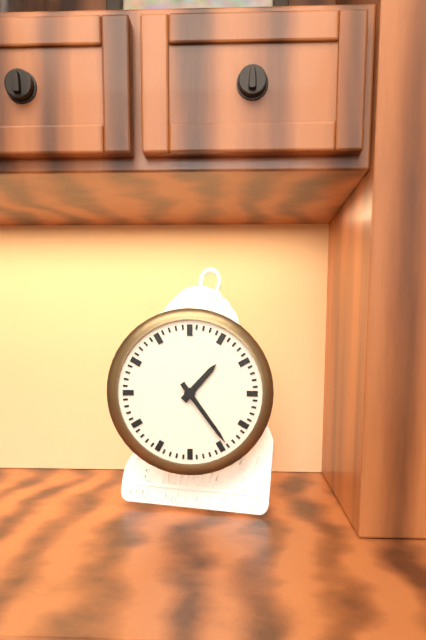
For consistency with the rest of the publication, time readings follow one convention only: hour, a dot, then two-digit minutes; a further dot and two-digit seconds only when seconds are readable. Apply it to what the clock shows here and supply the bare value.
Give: 1.24
